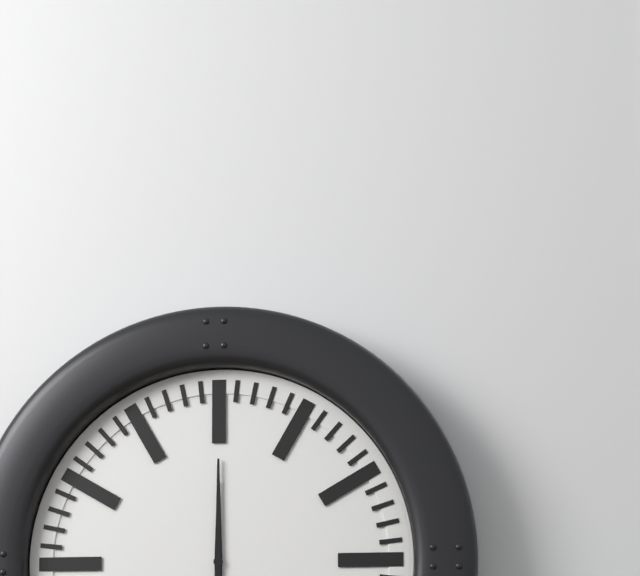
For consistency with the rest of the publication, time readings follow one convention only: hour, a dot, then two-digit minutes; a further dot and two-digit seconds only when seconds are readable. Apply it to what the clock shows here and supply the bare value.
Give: 12.00
